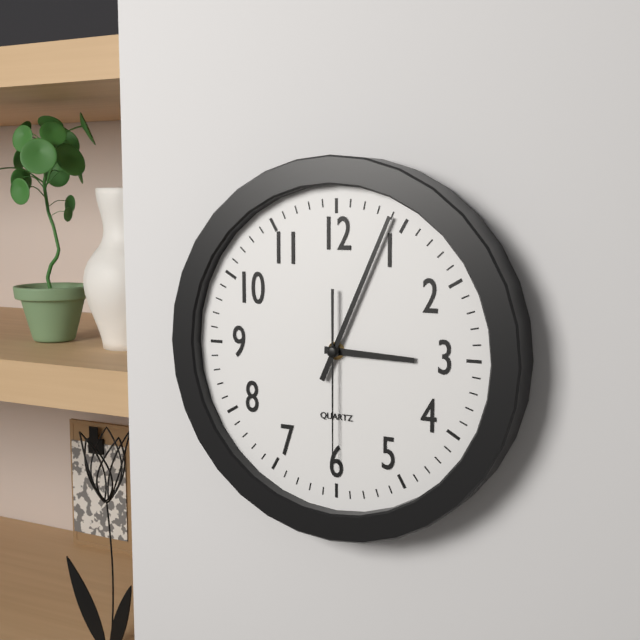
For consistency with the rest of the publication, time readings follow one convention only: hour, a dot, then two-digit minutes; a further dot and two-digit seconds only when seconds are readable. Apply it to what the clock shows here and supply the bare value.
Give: 3.04.30
